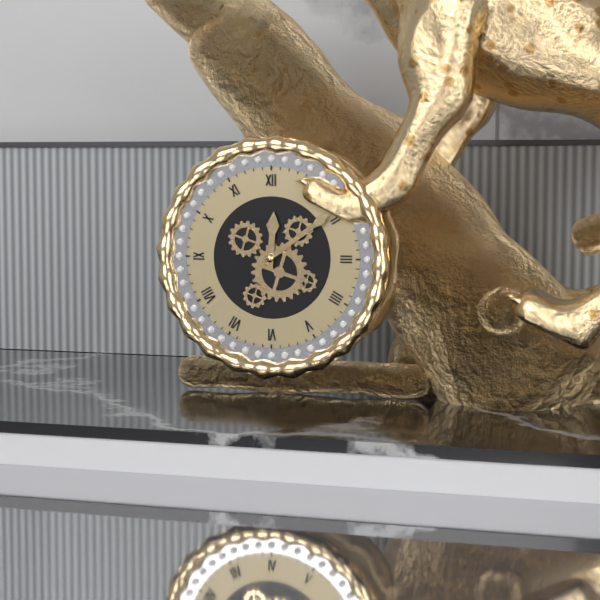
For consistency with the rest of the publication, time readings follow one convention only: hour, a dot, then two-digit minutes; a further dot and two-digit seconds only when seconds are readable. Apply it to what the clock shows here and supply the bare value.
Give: 12.09
